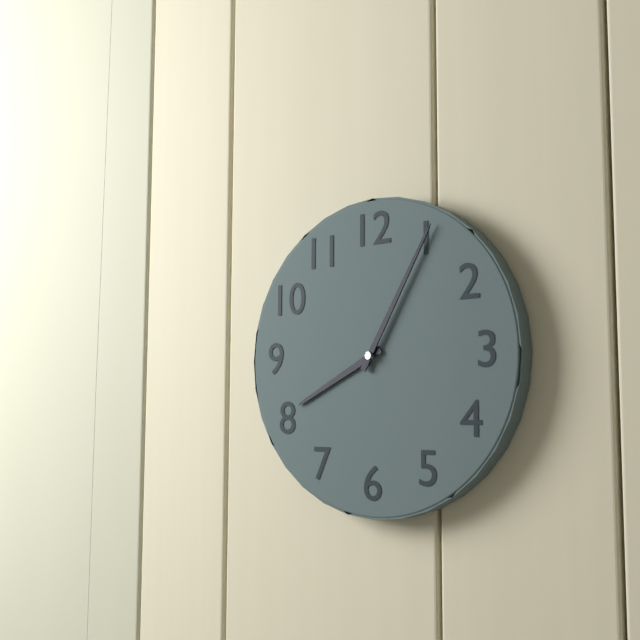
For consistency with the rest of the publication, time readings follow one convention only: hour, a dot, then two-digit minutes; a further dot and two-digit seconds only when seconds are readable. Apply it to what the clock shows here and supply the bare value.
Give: 8.05
